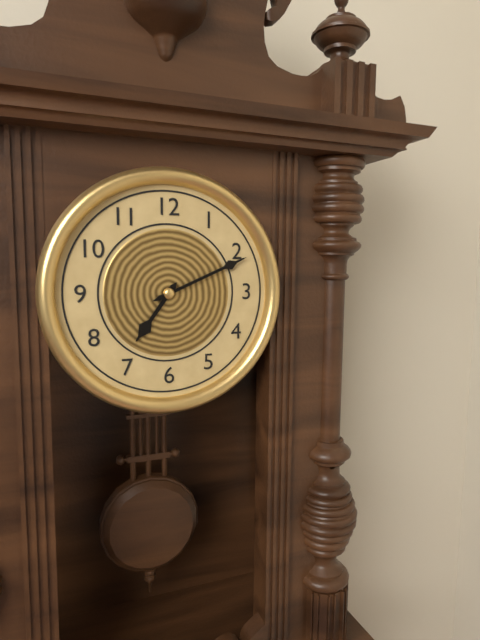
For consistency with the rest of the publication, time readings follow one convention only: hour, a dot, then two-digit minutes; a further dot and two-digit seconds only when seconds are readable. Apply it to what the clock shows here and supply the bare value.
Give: 7.11
